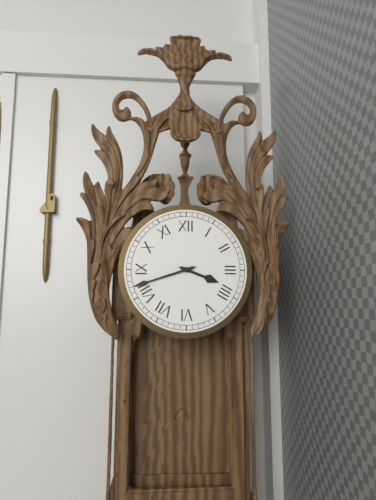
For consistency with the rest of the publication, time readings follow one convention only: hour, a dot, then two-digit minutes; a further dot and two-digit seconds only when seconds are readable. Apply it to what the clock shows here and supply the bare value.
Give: 3.42
